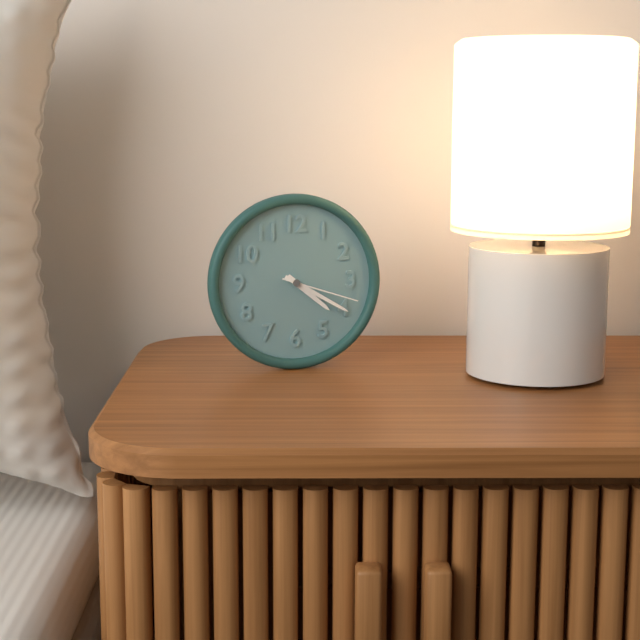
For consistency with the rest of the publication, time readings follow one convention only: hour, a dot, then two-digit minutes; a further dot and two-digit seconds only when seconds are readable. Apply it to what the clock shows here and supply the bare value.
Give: 4.20.18
